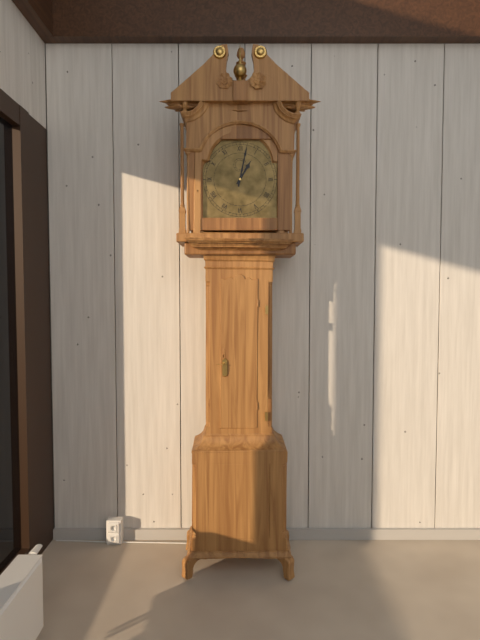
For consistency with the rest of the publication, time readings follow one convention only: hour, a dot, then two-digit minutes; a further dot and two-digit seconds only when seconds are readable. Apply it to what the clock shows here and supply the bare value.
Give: 1.02
